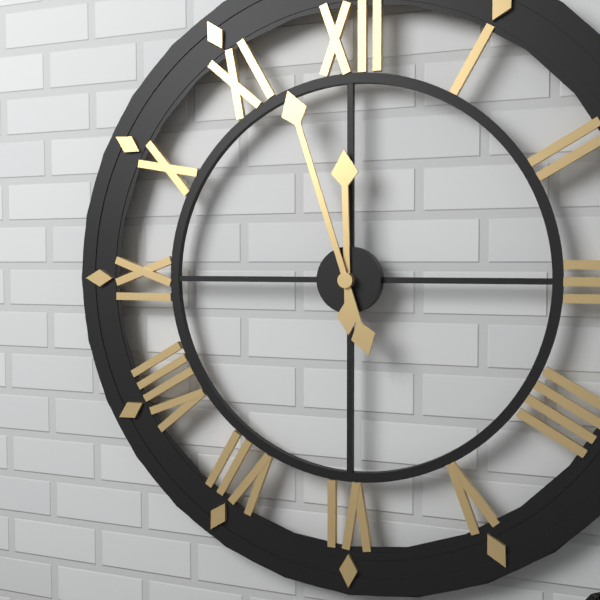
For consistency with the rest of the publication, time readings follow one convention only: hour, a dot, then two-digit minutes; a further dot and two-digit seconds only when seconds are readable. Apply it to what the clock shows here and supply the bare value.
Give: 11.57
